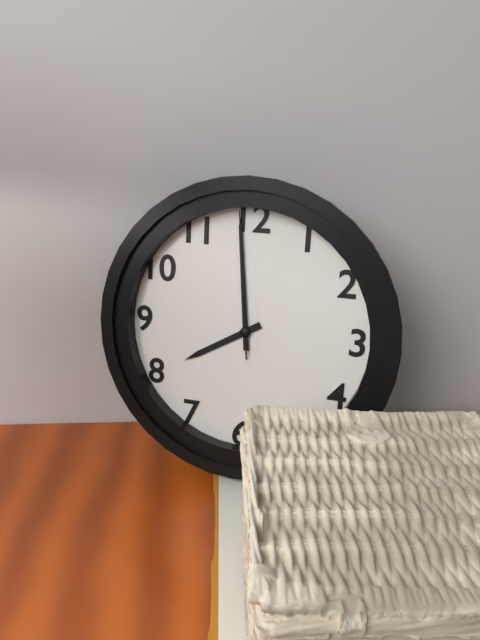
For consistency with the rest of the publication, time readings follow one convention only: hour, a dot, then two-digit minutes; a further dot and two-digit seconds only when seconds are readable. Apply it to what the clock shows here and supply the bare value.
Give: 7.59.59
